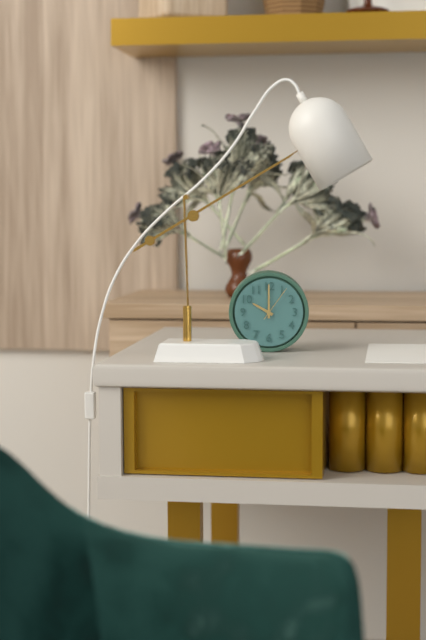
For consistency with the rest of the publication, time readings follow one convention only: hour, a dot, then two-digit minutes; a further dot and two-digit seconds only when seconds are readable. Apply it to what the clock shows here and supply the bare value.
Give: 10.00
